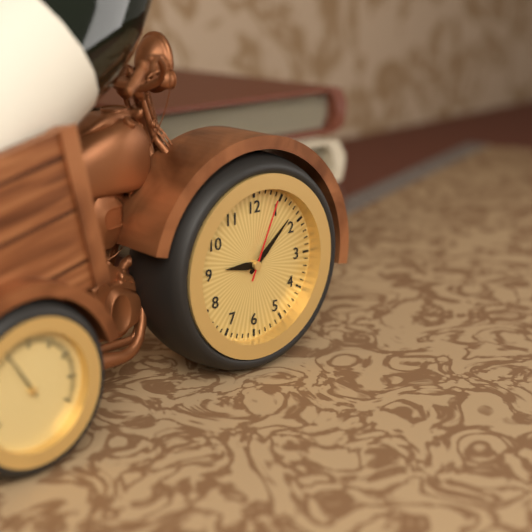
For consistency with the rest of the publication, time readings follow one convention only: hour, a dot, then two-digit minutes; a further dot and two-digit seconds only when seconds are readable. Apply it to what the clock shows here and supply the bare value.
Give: 9.08.04
